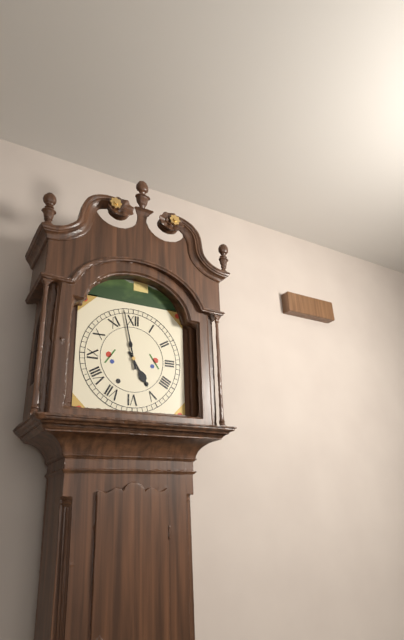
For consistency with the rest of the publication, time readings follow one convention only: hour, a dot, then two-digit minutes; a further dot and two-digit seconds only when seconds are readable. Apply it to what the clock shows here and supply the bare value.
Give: 4.58
